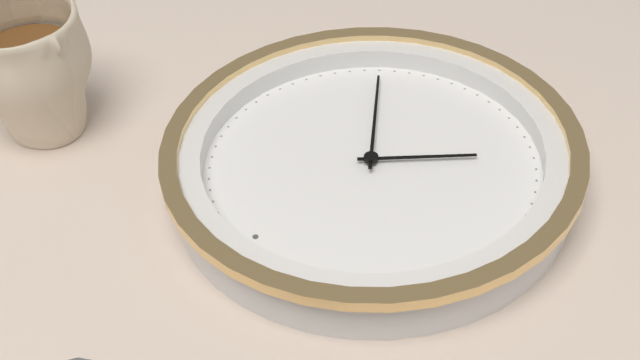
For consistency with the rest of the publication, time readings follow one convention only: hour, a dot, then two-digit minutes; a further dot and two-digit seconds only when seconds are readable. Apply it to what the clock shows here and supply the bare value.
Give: 7.23
